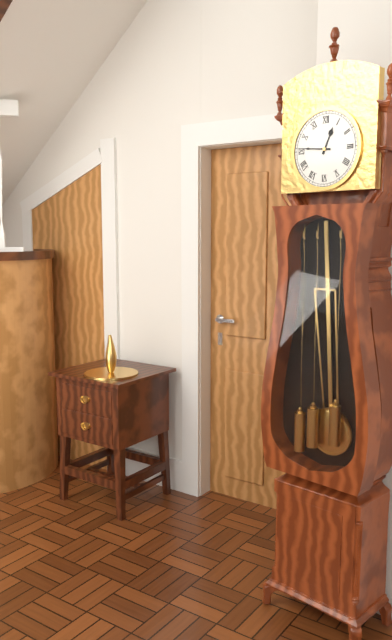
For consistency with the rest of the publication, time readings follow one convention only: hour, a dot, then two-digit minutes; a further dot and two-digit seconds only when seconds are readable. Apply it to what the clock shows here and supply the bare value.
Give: 12.46
